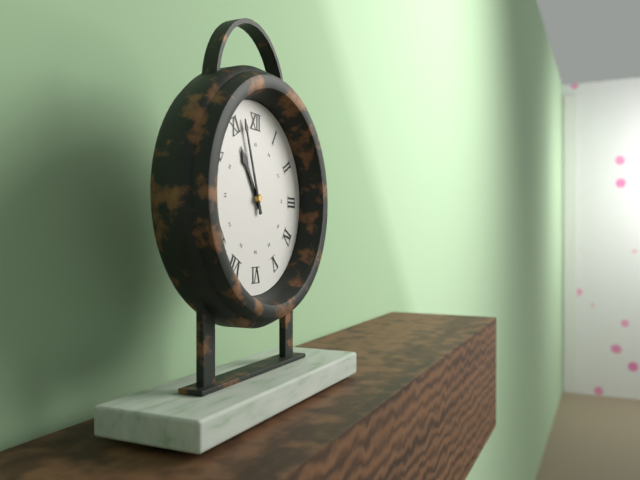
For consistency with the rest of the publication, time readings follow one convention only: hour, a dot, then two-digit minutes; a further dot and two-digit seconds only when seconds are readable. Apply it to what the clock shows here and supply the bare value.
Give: 10.57
